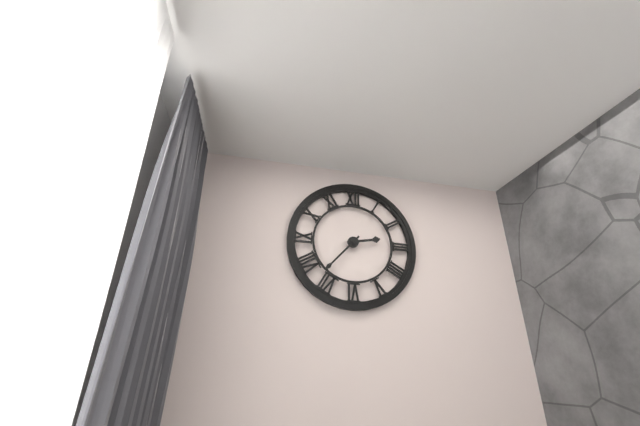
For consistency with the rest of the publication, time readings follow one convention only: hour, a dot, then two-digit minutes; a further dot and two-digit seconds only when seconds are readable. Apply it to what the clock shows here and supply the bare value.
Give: 2.37
